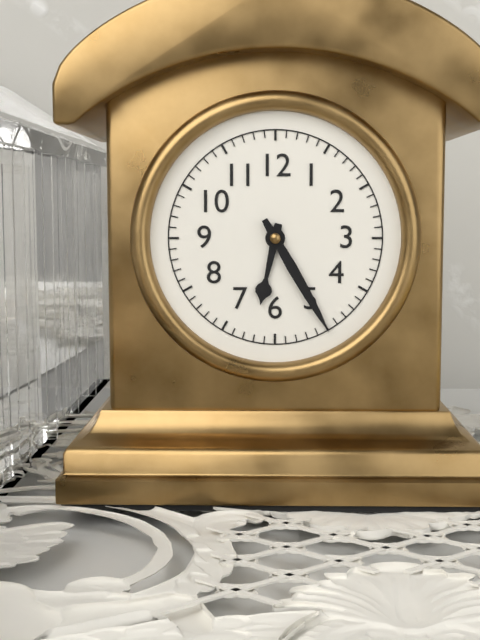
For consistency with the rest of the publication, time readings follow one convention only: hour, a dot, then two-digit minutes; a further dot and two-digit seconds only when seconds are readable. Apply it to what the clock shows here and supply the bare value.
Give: 6.25
